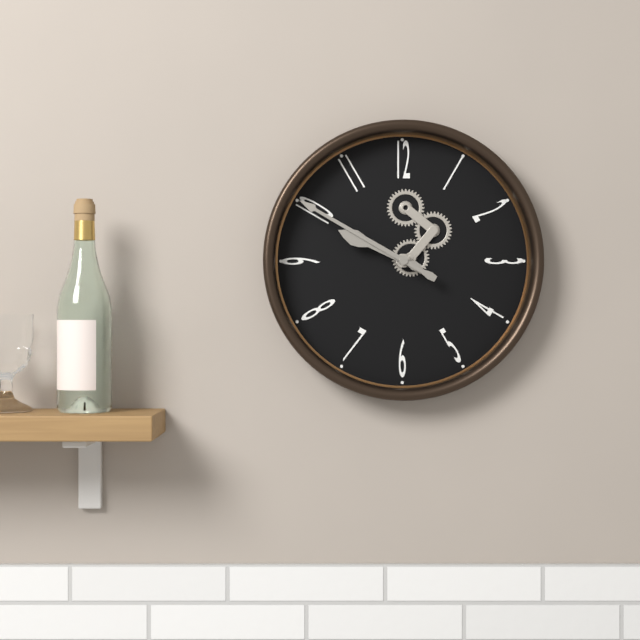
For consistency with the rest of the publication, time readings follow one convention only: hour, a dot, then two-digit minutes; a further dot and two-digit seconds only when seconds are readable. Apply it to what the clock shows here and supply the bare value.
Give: 9.50
